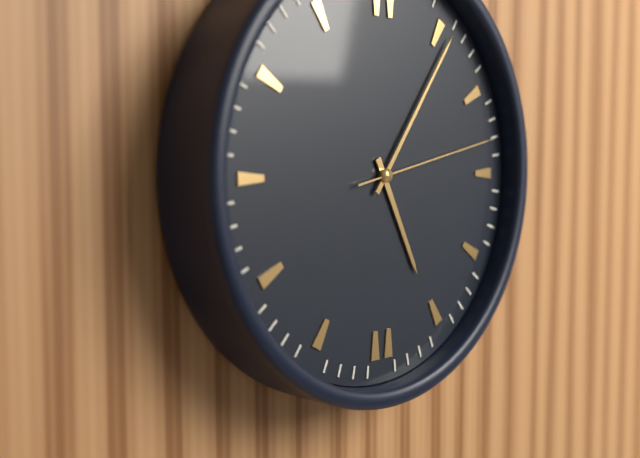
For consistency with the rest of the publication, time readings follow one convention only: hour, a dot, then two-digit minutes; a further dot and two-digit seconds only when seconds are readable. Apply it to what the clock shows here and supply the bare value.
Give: 5.06.13
